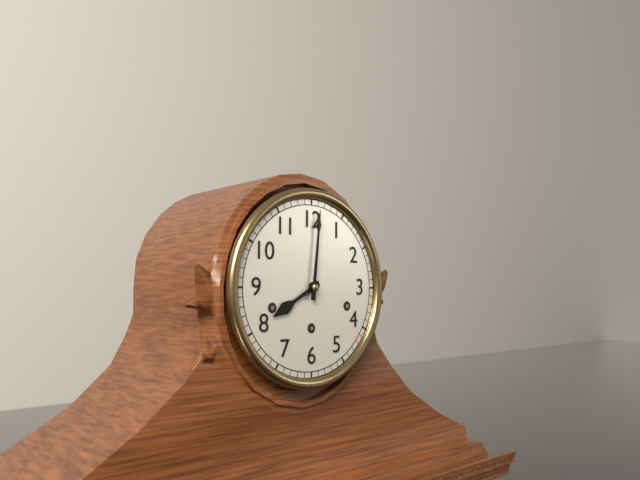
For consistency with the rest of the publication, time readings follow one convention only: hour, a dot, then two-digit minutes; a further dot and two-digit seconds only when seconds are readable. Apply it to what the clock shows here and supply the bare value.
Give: 8.01
